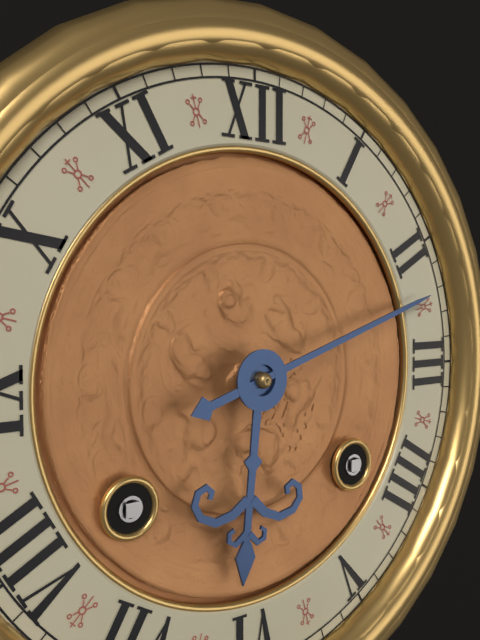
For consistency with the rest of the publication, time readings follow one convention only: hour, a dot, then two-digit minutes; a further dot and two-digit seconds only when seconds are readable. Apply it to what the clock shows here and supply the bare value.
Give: 6.12
